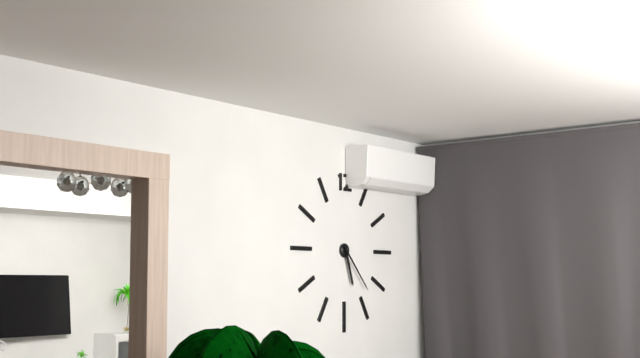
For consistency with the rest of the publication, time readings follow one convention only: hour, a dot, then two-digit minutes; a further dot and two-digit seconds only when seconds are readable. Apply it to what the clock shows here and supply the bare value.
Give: 5.23
